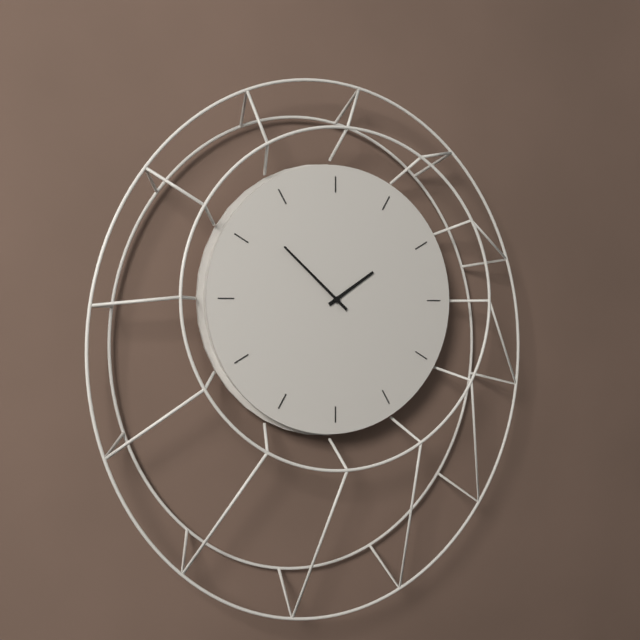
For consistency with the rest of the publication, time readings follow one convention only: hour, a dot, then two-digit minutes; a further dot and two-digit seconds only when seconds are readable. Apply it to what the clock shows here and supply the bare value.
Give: 1.52
